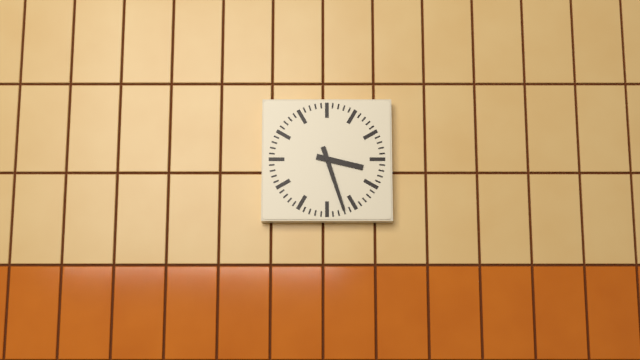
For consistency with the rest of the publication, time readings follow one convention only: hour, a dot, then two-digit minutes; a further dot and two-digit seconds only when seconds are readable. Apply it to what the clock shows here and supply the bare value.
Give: 3.27
